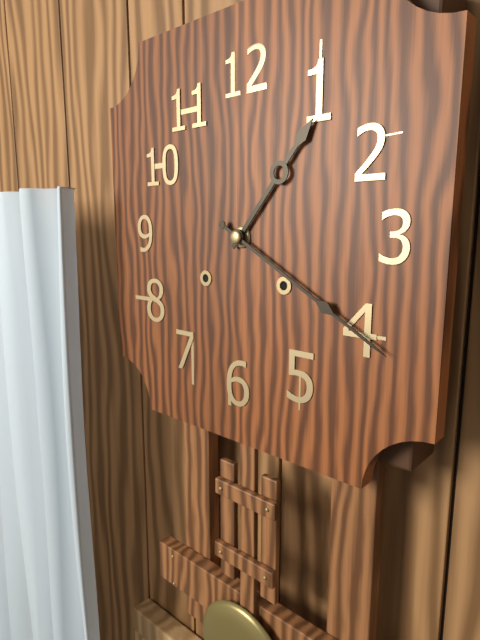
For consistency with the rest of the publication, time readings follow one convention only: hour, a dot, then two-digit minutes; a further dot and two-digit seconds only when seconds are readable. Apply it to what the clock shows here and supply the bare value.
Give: 1.20
